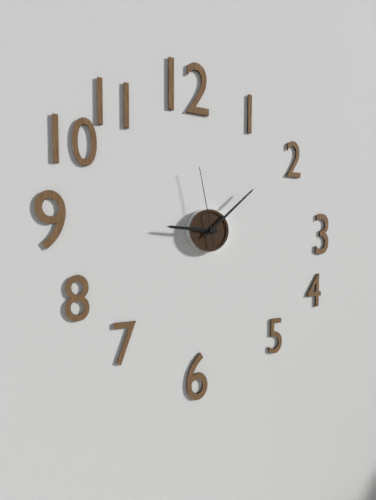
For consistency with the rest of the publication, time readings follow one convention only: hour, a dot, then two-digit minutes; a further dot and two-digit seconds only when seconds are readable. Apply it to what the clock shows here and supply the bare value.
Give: 9.08.58
